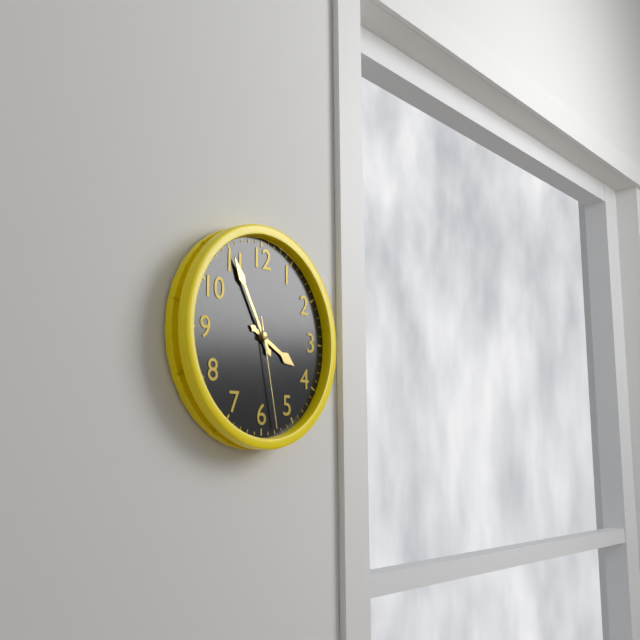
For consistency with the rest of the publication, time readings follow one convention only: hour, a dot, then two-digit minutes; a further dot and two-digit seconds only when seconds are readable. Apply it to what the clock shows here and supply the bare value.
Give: 3.55.28
